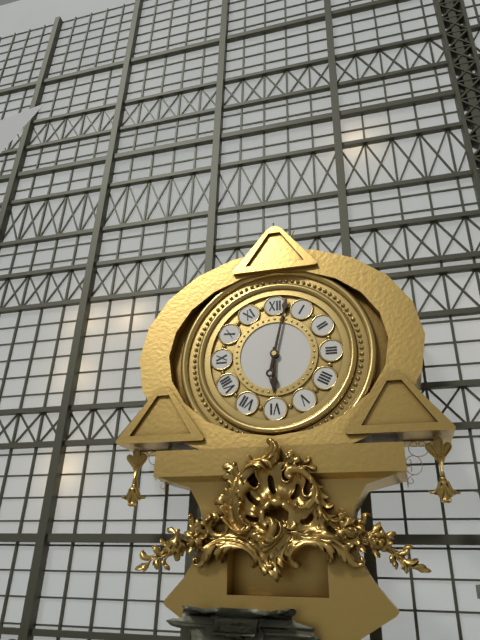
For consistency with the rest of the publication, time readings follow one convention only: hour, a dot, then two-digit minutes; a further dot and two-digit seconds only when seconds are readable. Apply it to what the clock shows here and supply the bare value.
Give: 6.02
